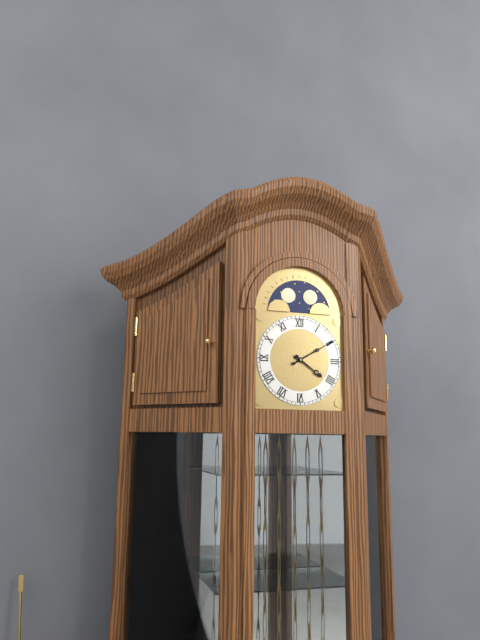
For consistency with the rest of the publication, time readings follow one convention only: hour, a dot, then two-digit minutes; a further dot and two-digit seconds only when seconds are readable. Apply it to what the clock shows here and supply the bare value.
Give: 4.10
